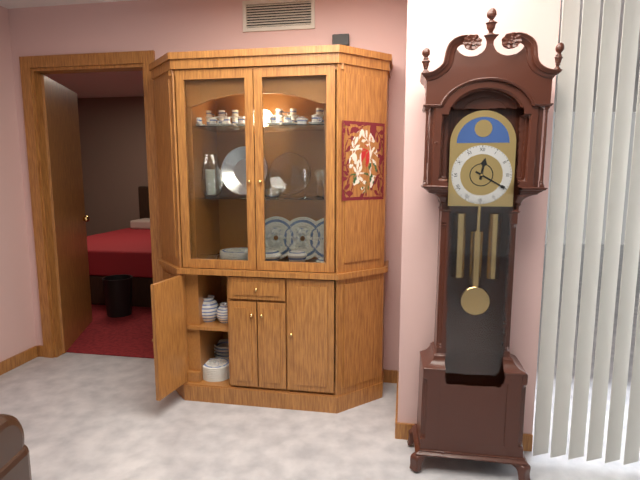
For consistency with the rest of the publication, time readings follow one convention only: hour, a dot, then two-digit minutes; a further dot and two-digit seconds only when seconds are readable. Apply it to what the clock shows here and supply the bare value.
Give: 12.20
